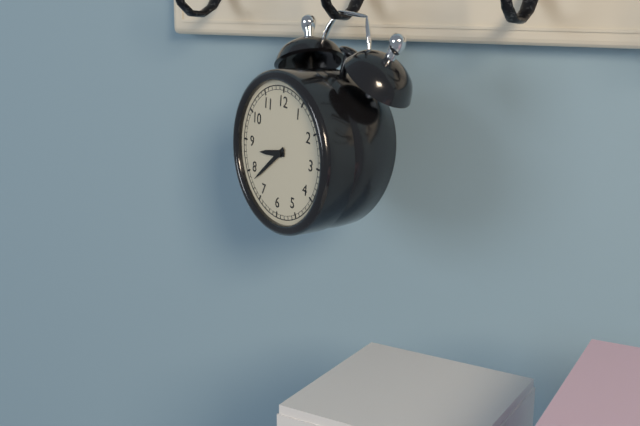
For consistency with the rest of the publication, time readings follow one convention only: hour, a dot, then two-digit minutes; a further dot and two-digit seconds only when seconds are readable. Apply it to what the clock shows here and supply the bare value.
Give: 8.38
